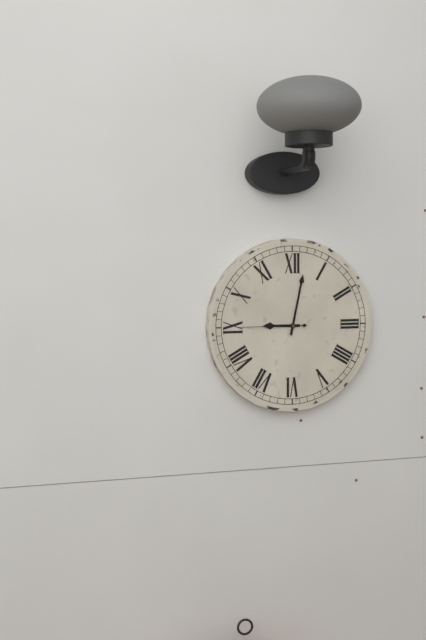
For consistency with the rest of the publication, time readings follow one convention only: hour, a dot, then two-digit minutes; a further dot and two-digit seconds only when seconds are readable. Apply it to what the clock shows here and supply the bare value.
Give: 9.02.45
